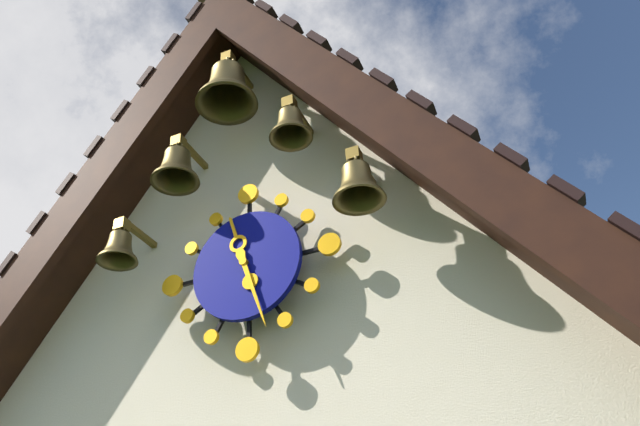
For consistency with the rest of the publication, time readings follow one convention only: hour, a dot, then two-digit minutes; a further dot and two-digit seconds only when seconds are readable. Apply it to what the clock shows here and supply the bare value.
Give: 11.27
